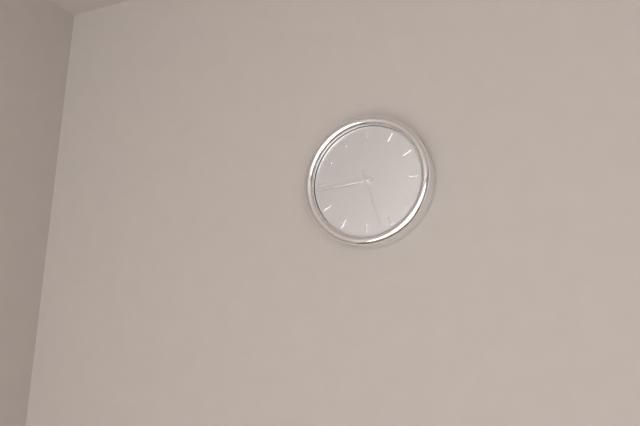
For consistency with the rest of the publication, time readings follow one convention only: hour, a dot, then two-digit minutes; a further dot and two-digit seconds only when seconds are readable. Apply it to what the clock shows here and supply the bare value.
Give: 8.44.27
